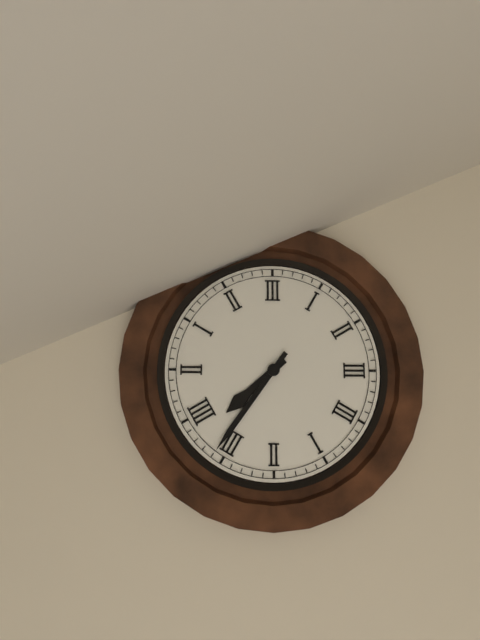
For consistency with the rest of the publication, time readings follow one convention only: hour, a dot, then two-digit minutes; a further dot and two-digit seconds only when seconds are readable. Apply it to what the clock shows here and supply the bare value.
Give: 7.36
